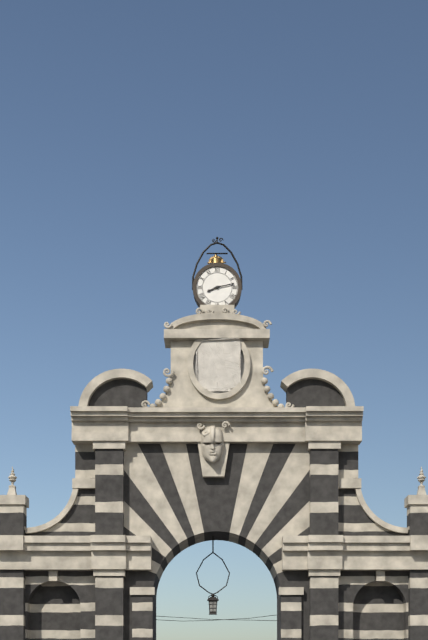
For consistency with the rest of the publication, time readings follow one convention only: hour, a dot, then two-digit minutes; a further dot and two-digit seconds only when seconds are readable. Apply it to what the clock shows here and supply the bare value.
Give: 8.13
